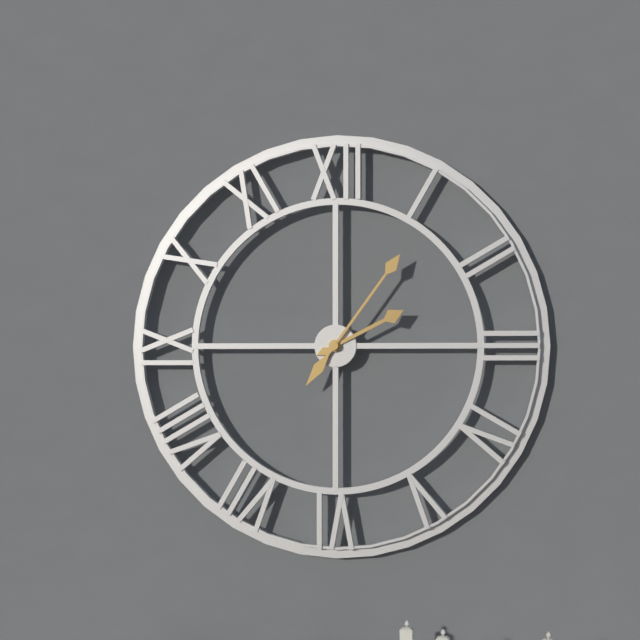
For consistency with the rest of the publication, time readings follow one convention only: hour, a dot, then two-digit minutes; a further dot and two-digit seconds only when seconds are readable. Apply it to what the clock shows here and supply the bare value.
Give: 2.06
